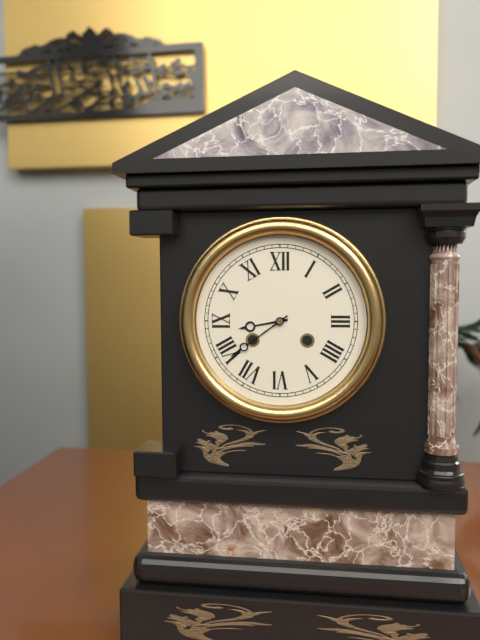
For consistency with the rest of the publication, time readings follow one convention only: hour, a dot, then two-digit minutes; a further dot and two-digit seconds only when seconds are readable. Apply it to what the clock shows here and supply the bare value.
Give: 8.39
